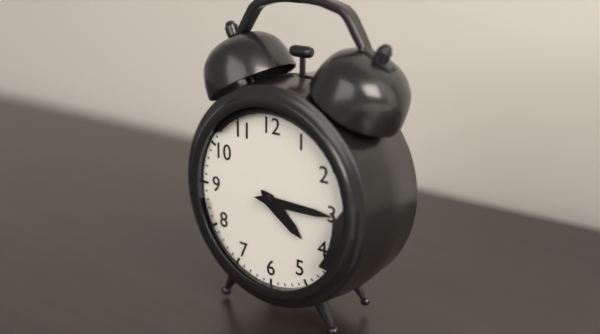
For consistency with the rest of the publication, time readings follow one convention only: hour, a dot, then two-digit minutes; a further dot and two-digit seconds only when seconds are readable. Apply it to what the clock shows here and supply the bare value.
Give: 4.15
